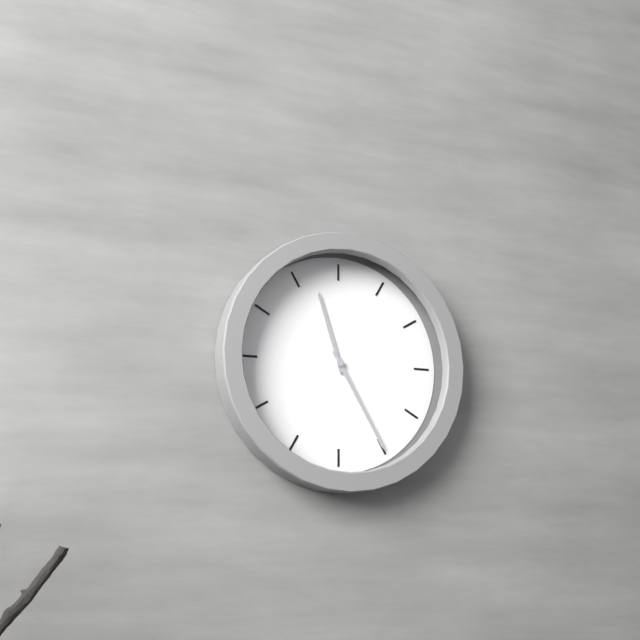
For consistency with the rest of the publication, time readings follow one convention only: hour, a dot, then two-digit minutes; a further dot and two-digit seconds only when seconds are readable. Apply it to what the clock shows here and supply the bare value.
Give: 11.25
